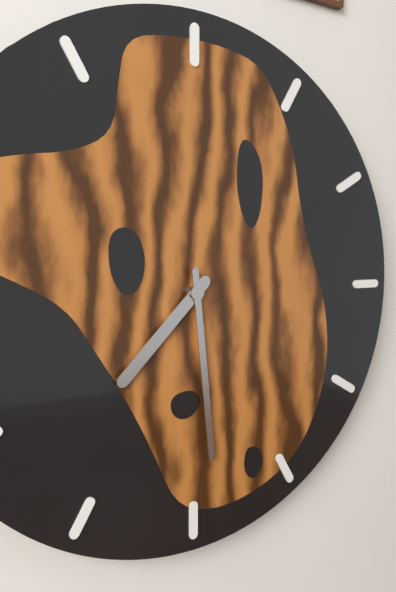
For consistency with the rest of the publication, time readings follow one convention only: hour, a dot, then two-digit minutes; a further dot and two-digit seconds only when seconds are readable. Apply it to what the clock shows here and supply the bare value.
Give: 7.29
